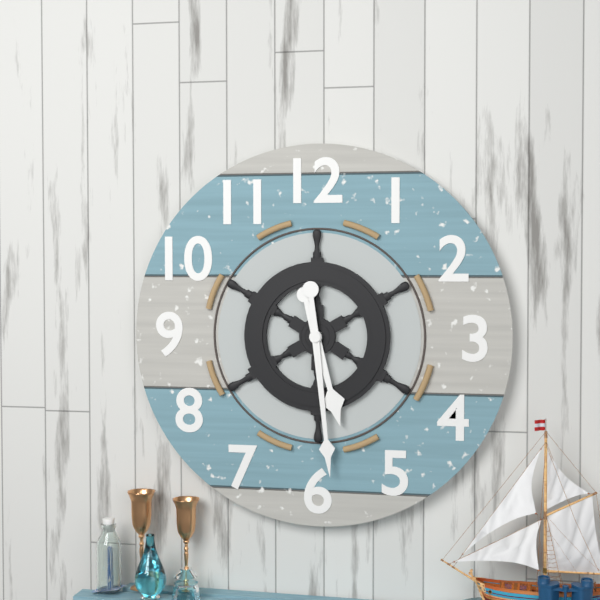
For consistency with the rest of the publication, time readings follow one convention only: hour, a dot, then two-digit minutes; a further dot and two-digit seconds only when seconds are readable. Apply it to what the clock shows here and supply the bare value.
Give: 5.29
